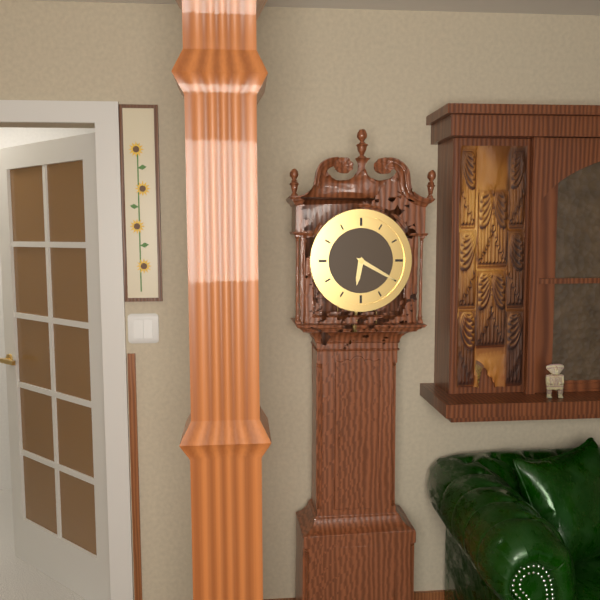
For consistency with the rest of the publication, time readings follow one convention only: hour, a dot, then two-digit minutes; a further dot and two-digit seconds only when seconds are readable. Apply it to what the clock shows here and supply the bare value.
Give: 6.20
